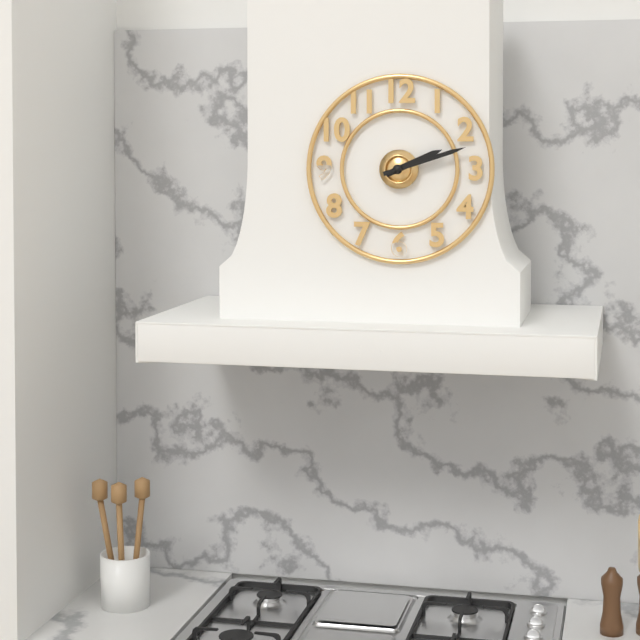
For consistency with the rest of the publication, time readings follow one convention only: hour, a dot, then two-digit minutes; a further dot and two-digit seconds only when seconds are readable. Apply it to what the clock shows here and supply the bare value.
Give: 2.12
